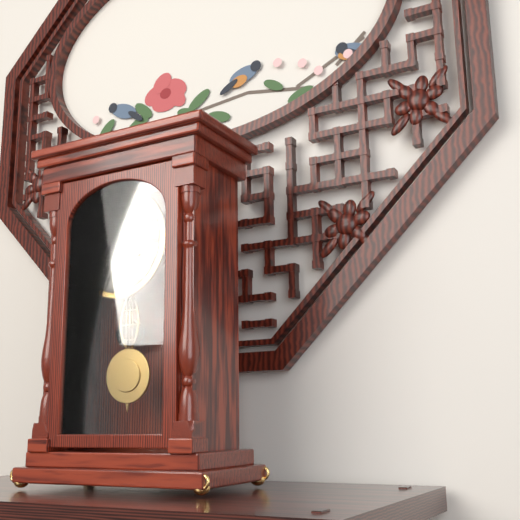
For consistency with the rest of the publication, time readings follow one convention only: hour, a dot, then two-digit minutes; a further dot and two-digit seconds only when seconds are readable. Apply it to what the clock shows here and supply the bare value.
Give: 8.47
